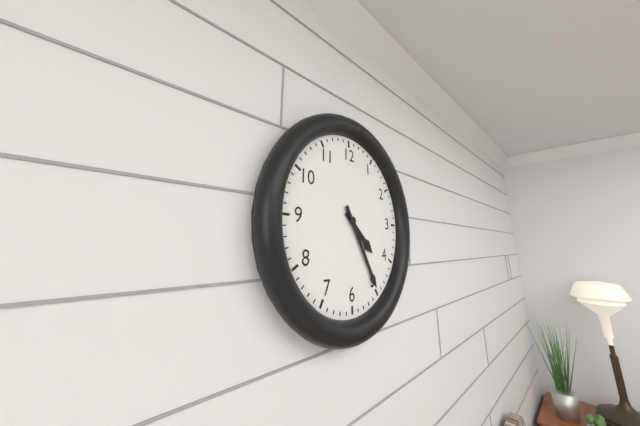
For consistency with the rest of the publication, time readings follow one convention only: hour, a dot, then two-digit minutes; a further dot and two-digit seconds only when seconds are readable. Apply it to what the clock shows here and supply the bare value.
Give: 4.25
